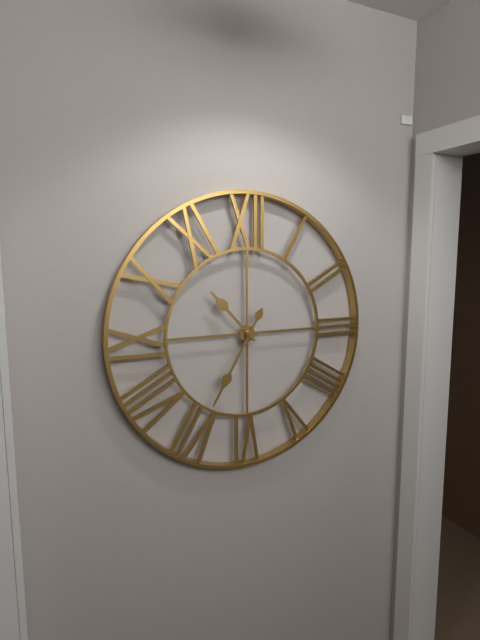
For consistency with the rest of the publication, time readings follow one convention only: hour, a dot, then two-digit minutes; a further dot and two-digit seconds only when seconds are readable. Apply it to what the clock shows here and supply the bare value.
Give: 10.35
